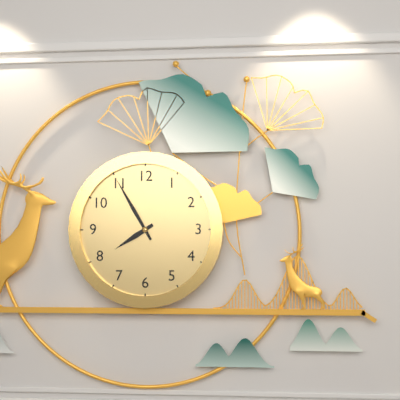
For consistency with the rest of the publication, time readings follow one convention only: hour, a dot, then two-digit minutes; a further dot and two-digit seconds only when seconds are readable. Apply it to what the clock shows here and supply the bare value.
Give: 7.55
